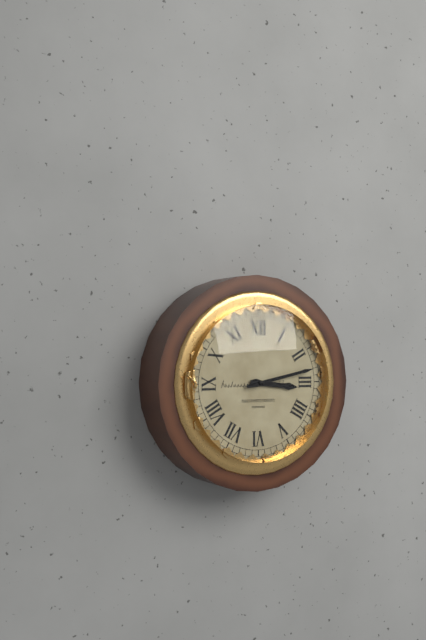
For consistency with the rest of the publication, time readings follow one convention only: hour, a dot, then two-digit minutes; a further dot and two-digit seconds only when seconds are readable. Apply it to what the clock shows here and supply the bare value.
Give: 3.13
